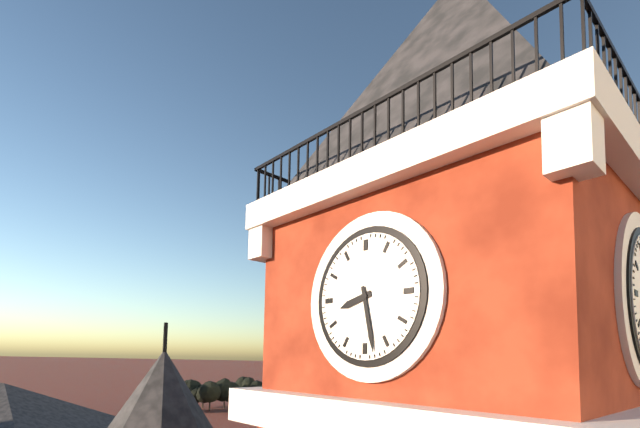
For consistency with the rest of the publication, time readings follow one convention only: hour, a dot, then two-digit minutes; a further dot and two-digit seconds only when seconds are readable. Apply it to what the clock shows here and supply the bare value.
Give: 8.28
